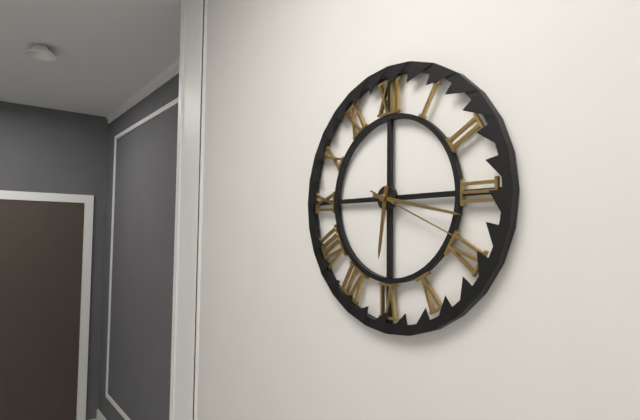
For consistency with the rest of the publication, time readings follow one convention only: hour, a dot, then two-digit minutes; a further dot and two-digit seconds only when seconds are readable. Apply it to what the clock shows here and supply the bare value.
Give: 6.17.19
